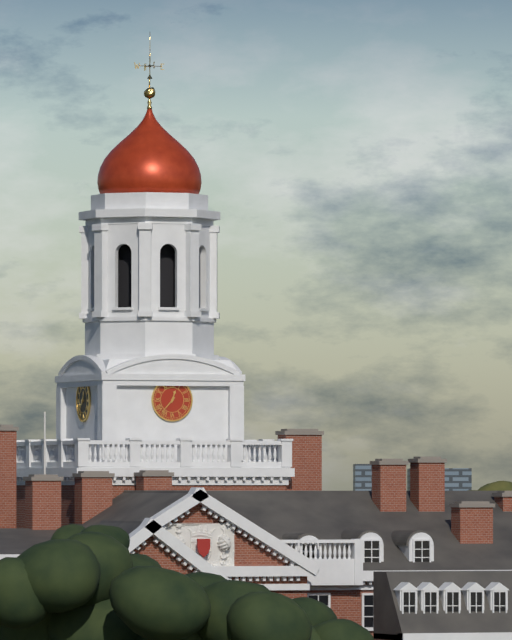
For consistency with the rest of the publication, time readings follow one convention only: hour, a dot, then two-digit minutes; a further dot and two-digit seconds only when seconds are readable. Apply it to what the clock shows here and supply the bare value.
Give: 12.37
